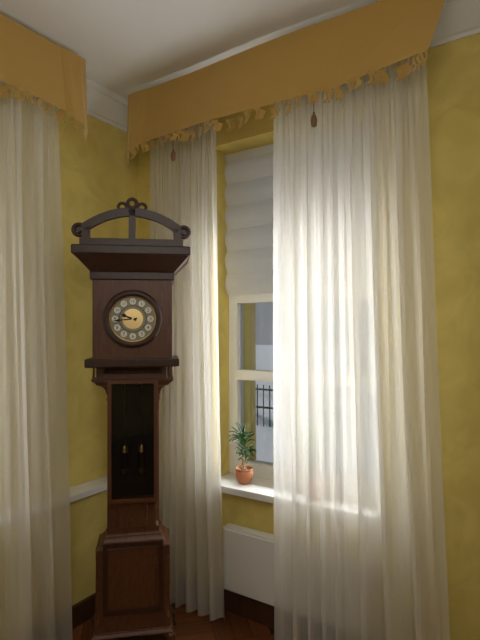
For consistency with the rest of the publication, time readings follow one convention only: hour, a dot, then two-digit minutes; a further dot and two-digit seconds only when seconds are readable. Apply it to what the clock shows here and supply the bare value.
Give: 9.44
